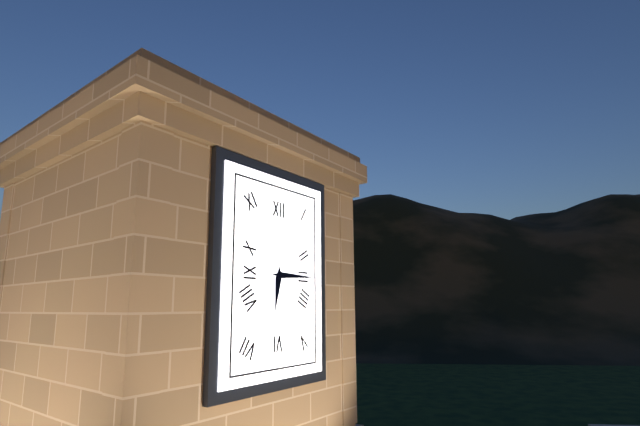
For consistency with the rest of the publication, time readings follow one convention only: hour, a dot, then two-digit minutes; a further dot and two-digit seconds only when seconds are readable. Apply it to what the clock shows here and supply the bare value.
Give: 6.15
